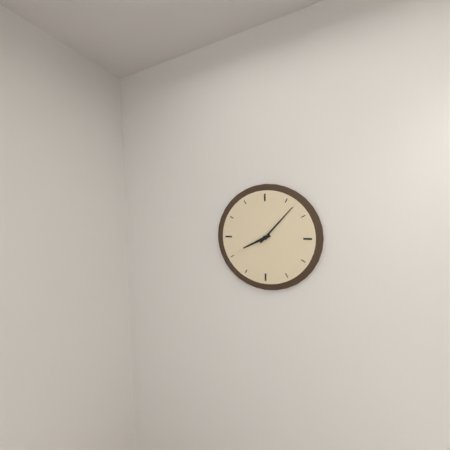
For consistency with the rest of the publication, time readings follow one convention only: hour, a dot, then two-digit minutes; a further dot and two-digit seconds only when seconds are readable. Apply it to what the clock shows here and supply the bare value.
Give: 8.07
